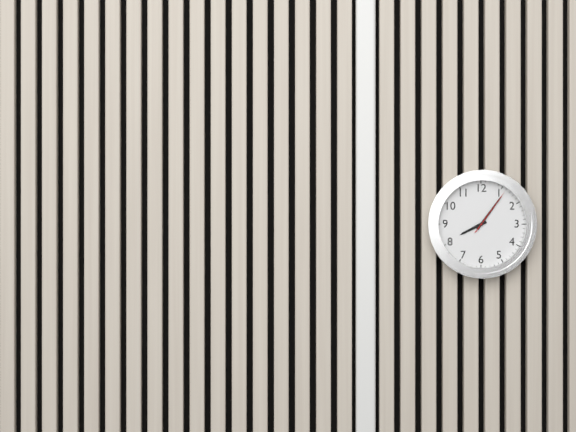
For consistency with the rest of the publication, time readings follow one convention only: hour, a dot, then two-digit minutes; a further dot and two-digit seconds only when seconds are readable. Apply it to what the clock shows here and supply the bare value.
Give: 8.06.06
